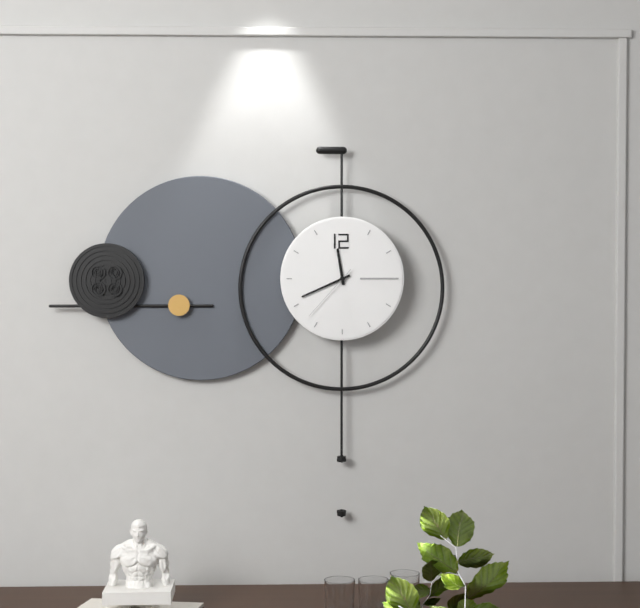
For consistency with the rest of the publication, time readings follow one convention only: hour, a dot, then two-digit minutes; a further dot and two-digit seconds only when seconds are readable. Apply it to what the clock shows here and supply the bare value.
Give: 11.41.37
